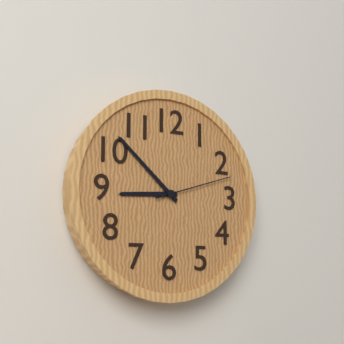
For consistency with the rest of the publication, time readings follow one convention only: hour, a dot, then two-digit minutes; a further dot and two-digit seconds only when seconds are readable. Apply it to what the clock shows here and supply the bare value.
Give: 8.52.12
